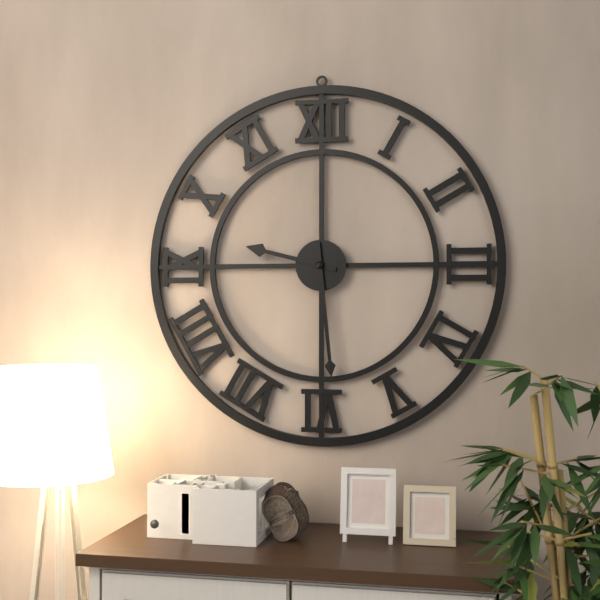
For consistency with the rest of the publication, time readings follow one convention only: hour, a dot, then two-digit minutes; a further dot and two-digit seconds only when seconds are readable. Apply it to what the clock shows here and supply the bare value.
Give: 9.29
